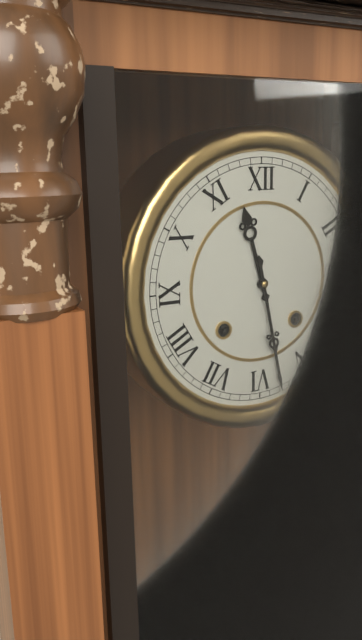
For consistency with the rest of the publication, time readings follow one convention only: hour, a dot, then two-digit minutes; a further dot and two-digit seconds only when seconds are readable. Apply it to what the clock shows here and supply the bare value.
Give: 11.28
